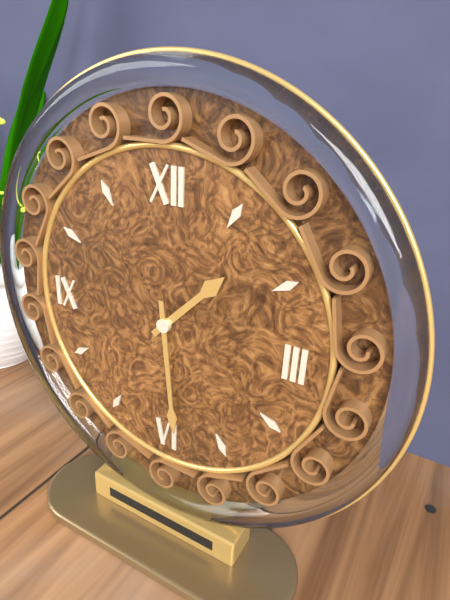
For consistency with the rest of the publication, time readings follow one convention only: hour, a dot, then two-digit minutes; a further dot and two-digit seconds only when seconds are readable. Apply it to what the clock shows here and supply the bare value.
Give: 1.29
